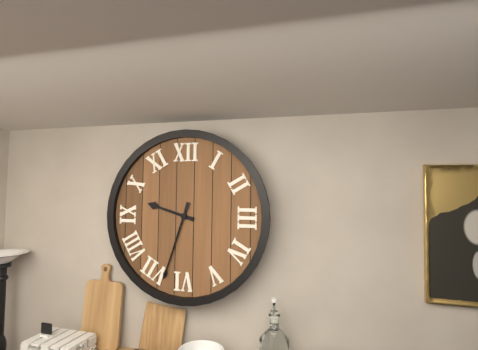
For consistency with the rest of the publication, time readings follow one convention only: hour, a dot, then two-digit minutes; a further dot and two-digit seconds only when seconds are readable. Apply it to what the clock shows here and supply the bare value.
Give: 9.33
